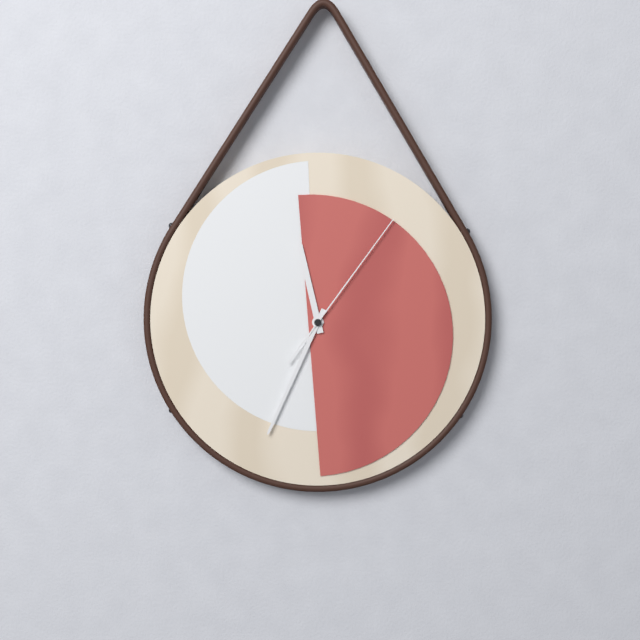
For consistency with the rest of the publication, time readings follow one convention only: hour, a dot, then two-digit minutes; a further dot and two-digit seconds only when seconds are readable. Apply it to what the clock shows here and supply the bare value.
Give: 11.34.06
